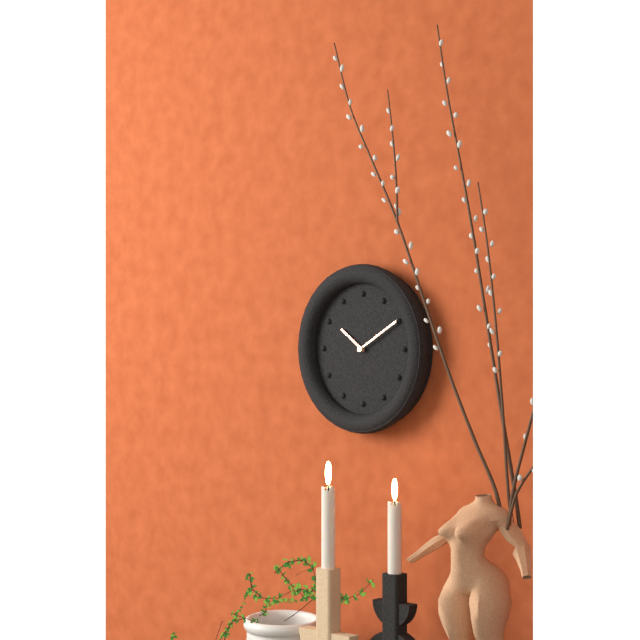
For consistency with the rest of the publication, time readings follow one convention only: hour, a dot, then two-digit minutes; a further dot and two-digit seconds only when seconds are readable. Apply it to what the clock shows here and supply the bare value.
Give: 10.10
